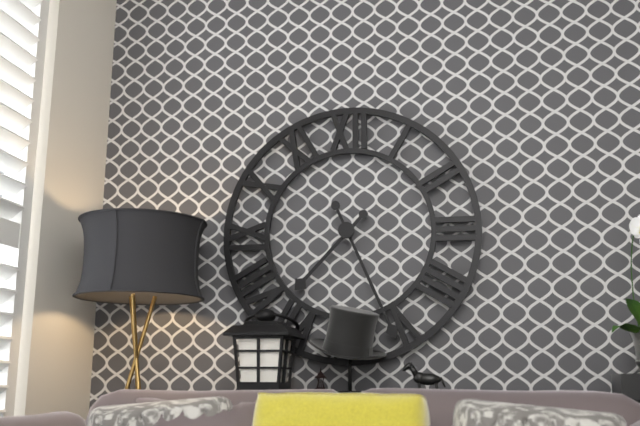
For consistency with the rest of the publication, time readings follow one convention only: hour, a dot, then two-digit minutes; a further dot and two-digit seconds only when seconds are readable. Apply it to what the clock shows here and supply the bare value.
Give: 7.26
